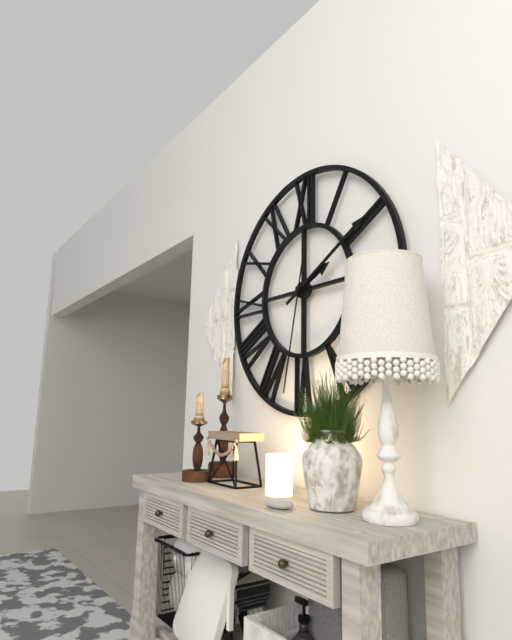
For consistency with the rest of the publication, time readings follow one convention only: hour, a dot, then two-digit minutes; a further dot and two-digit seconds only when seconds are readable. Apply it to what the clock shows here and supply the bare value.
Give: 2.10.32
